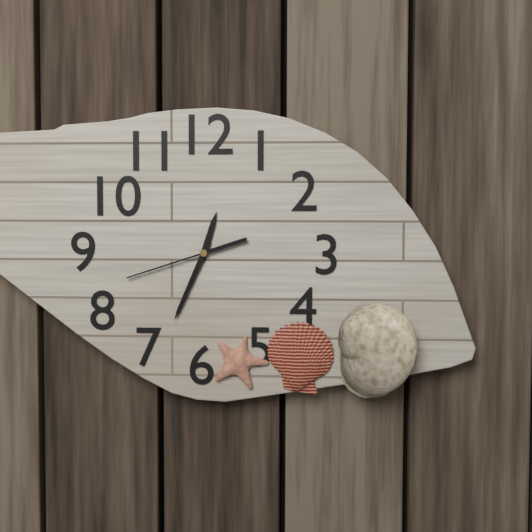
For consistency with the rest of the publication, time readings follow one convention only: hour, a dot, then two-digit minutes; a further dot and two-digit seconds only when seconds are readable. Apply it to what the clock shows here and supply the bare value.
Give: 12.34.42
